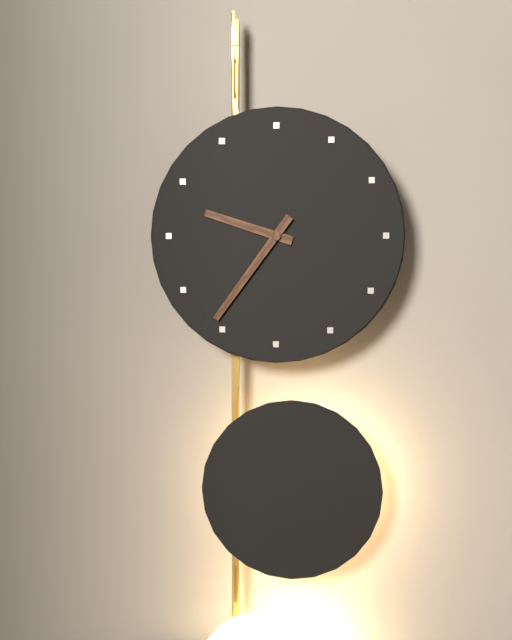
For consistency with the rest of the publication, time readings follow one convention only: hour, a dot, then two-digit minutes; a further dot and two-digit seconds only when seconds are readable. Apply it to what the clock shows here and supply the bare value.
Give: 9.36
